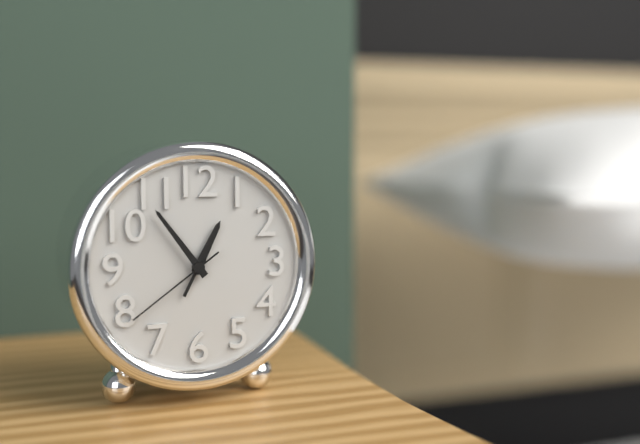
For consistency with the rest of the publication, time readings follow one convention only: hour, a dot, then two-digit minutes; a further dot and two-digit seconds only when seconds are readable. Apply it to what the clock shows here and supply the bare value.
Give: 12.54.39
